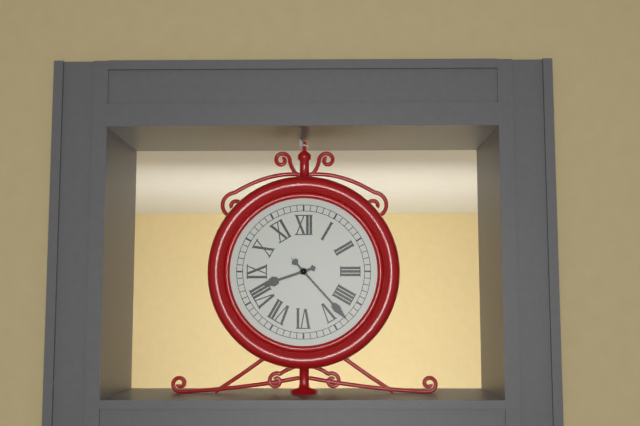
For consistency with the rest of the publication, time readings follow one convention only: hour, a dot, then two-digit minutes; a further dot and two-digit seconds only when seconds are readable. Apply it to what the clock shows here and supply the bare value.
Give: 8.23
